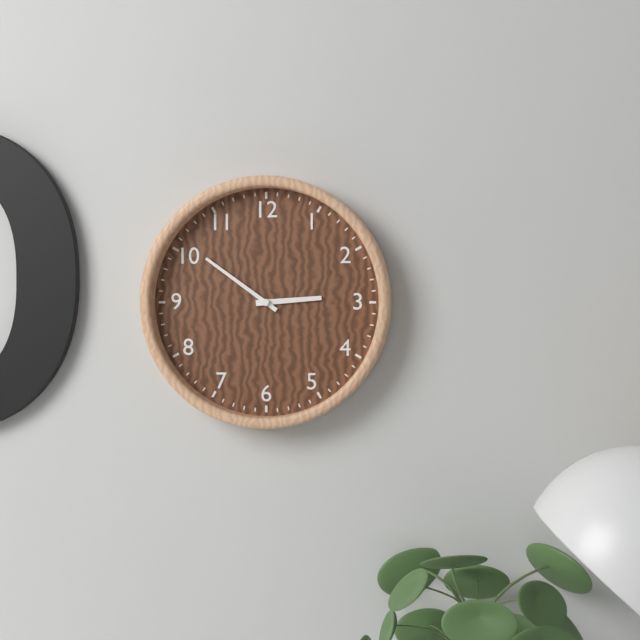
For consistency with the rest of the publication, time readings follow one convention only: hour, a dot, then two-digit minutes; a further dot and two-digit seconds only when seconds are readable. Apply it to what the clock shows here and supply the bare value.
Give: 2.51
